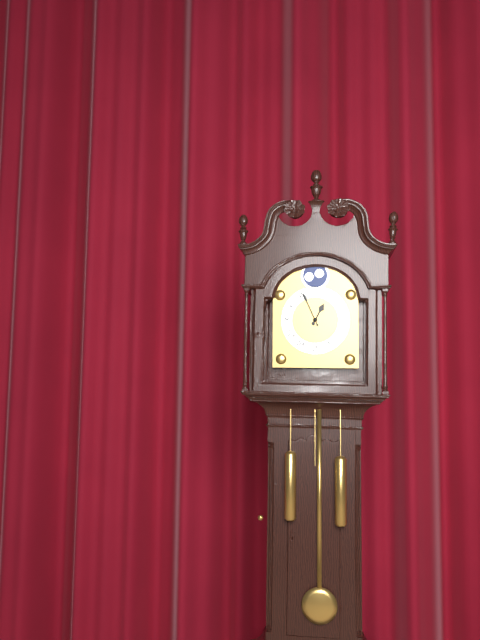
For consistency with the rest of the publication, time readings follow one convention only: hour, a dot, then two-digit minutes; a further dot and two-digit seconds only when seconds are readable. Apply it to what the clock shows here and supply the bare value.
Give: 12.56
